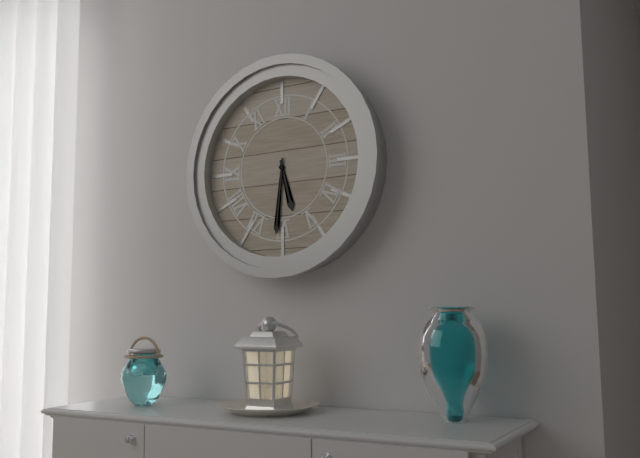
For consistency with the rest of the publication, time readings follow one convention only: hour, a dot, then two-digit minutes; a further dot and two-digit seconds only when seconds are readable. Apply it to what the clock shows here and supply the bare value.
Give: 5.31
